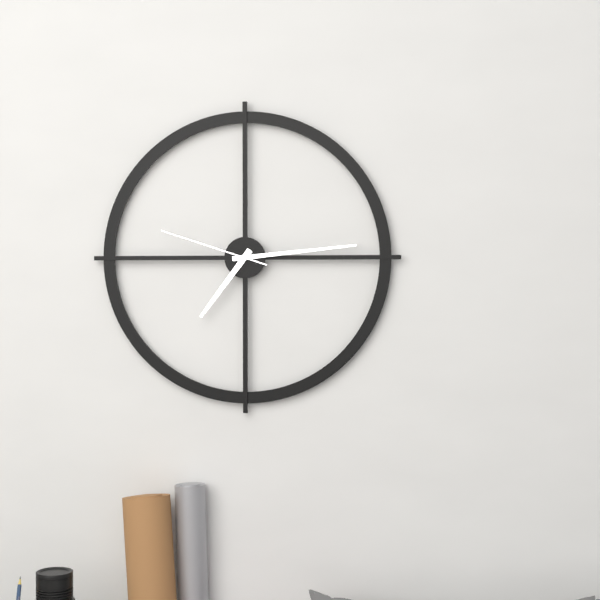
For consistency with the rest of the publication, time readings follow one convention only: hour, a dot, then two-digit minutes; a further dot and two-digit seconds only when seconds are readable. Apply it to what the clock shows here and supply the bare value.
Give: 7.14.48
